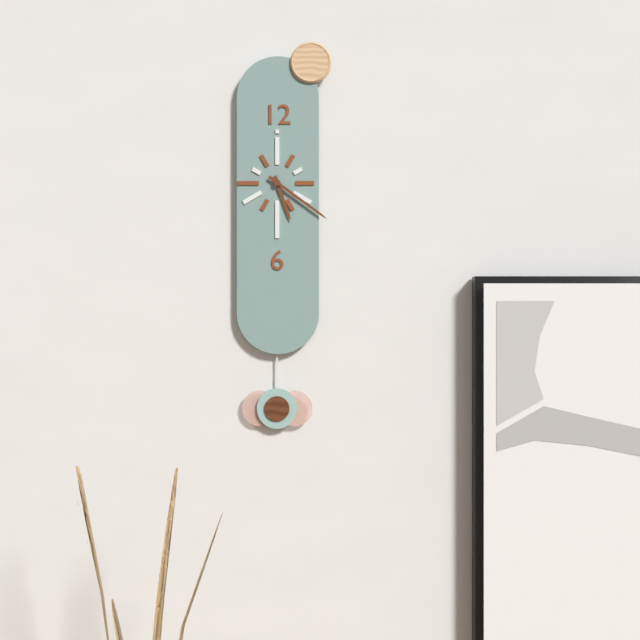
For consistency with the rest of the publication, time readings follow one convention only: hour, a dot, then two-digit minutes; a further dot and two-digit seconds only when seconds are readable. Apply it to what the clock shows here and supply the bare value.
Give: 5.21
